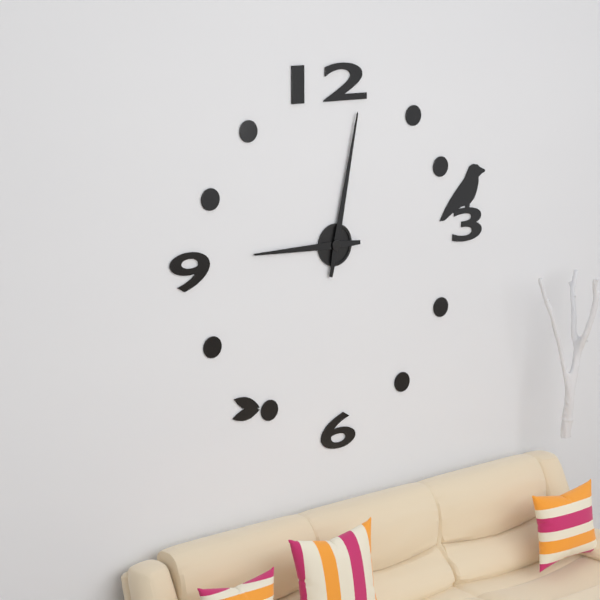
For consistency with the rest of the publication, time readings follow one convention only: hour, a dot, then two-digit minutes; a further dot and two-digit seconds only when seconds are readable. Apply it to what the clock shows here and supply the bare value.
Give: 9.02
